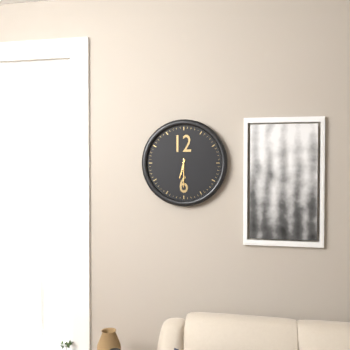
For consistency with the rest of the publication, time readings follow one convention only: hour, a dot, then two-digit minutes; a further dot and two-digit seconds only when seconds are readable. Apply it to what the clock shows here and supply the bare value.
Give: 6.30
